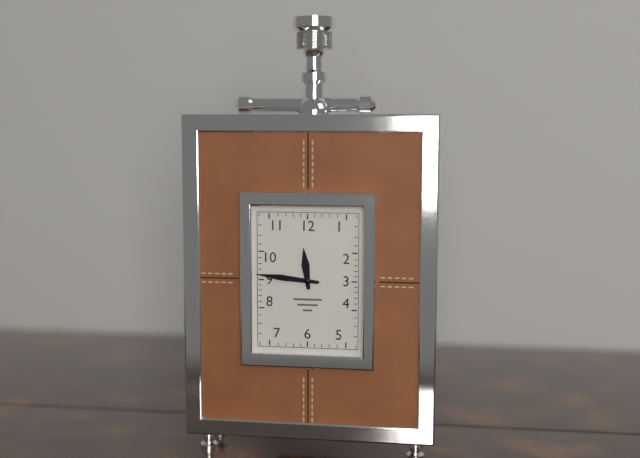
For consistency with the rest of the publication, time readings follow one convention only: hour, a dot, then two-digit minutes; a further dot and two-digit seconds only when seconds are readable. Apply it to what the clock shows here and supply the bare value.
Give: 11.46
